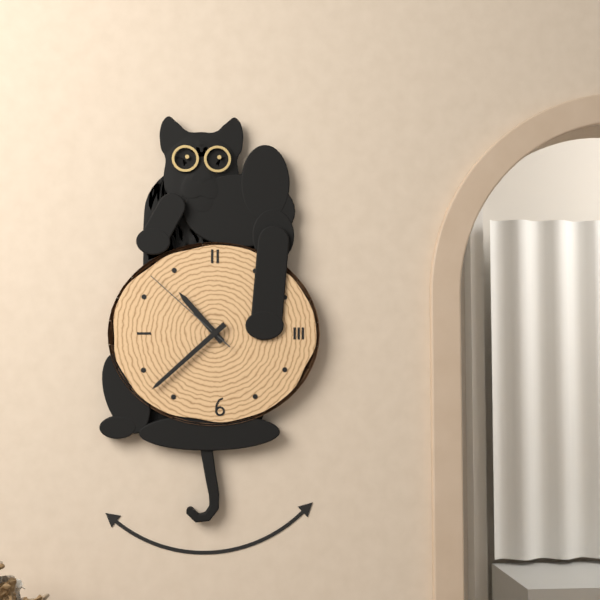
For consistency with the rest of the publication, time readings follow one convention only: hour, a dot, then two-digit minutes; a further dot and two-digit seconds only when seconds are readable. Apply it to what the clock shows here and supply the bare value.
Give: 10.38.52
